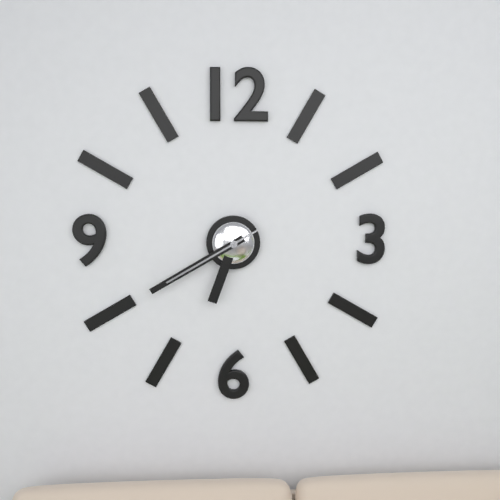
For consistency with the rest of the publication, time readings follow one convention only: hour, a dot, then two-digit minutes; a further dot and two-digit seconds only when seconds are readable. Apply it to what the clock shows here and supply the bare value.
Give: 6.40.40
